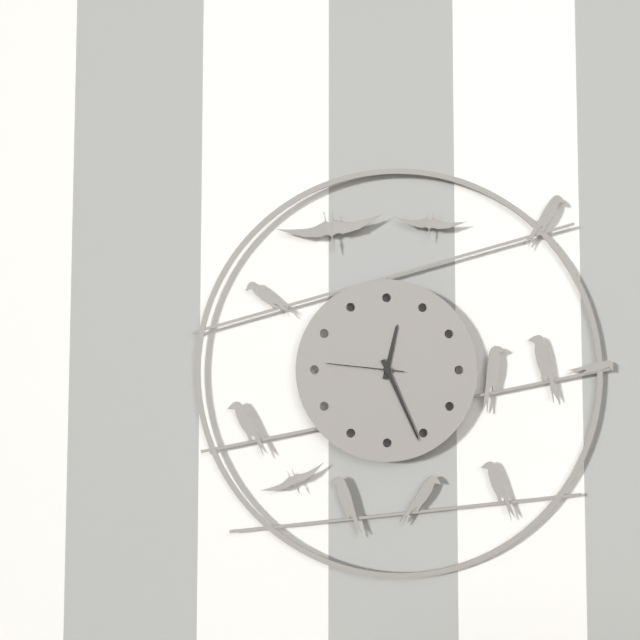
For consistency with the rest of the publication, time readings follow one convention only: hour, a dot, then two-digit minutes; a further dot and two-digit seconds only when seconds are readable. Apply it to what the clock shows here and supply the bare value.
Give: 12.26.46
